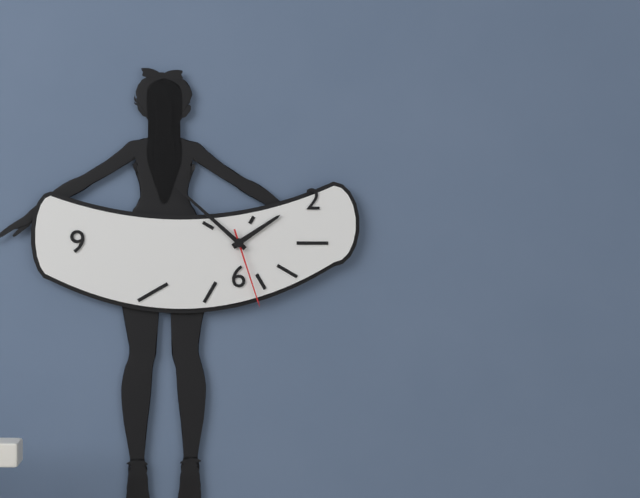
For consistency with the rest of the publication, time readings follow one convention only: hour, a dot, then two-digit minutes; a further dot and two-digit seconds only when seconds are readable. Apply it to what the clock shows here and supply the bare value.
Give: 1.52.27
